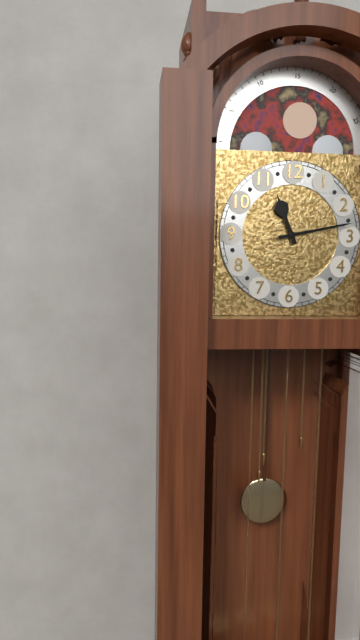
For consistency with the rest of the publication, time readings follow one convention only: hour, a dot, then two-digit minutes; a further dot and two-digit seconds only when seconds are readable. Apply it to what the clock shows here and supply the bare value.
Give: 11.13
